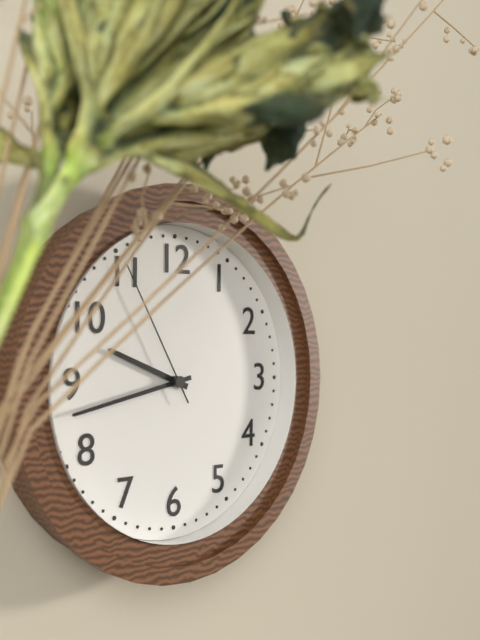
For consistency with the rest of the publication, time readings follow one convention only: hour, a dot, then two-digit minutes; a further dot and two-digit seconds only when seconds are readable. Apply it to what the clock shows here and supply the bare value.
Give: 9.43.55
